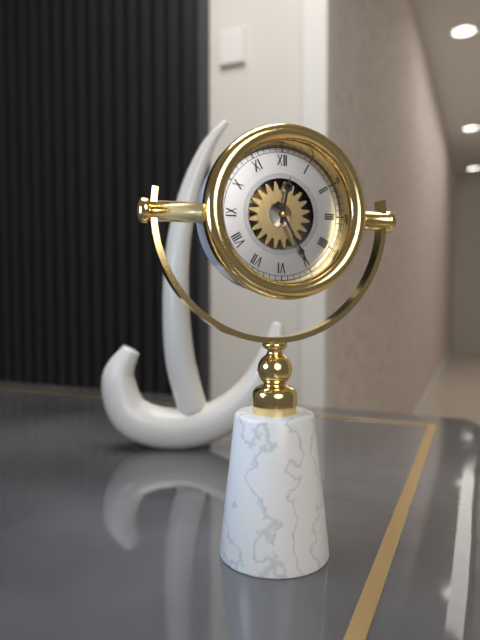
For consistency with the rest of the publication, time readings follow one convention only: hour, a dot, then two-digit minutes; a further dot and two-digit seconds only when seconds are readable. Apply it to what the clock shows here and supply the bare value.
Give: 12.25
